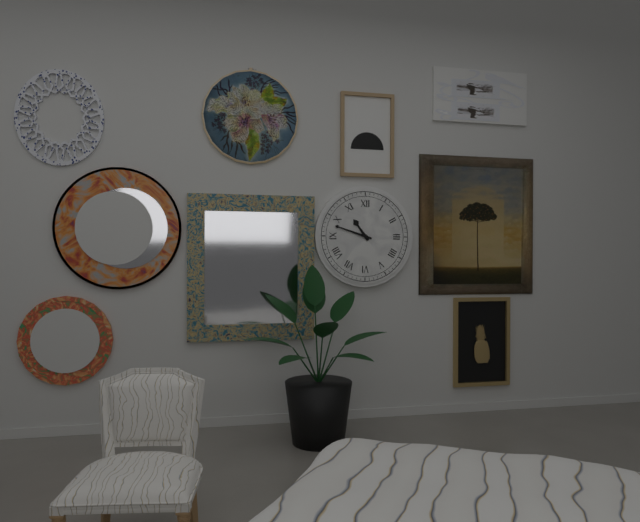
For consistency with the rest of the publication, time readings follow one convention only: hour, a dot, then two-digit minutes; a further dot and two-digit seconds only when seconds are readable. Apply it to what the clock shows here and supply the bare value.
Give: 10.48
